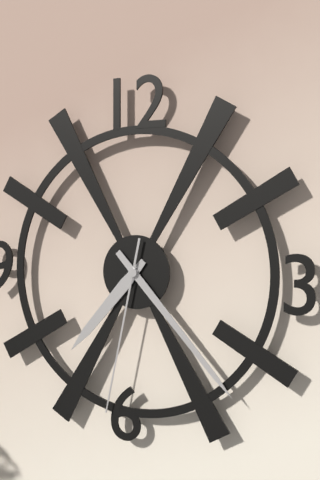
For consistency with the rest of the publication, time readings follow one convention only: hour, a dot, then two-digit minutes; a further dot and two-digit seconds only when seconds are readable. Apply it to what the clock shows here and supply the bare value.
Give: 7.23.32
